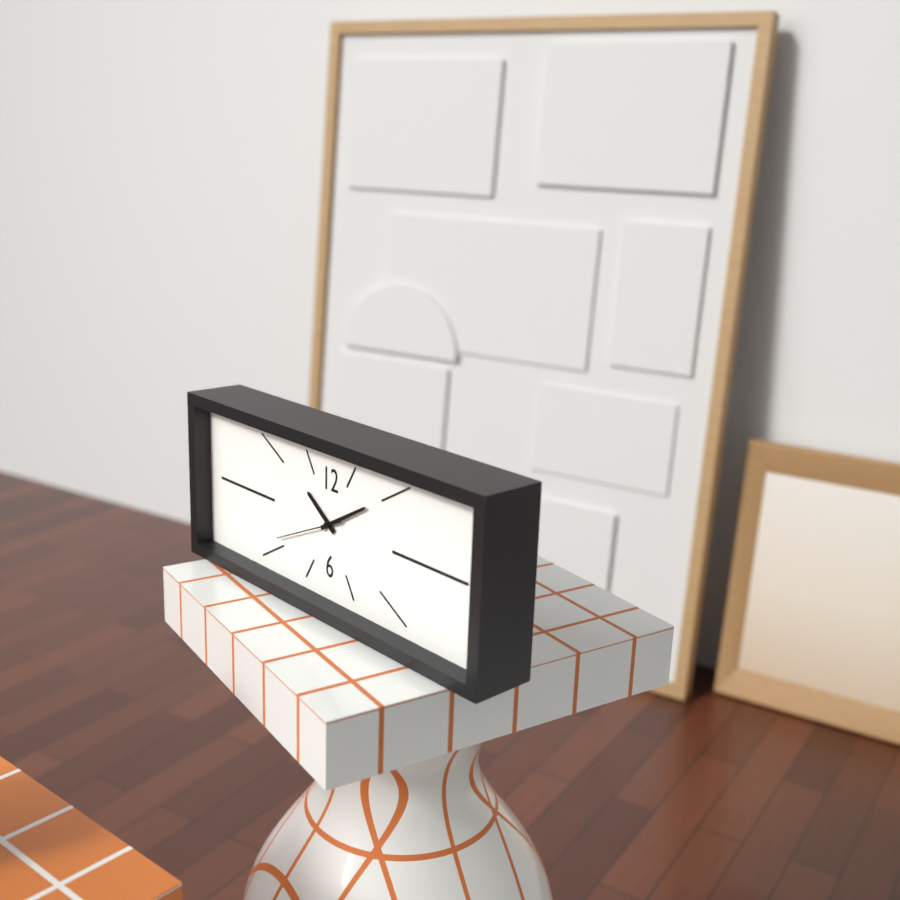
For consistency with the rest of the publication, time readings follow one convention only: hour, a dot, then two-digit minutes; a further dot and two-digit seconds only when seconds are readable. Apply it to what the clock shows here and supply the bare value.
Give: 10.10.41
